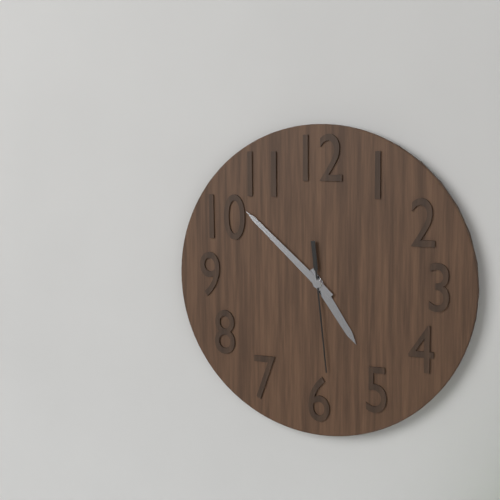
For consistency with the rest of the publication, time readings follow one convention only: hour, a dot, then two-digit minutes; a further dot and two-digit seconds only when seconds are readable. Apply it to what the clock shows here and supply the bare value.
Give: 4.52.29
